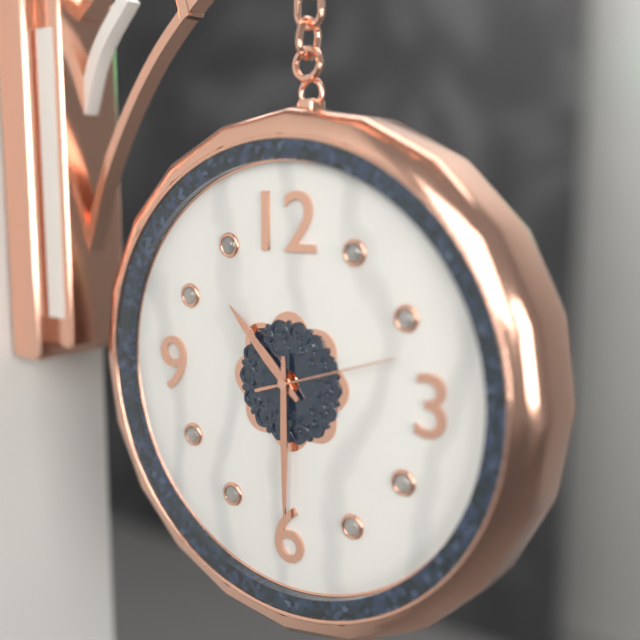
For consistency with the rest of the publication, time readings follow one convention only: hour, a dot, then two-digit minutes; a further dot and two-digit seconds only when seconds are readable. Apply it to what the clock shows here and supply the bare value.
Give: 10.30.12
